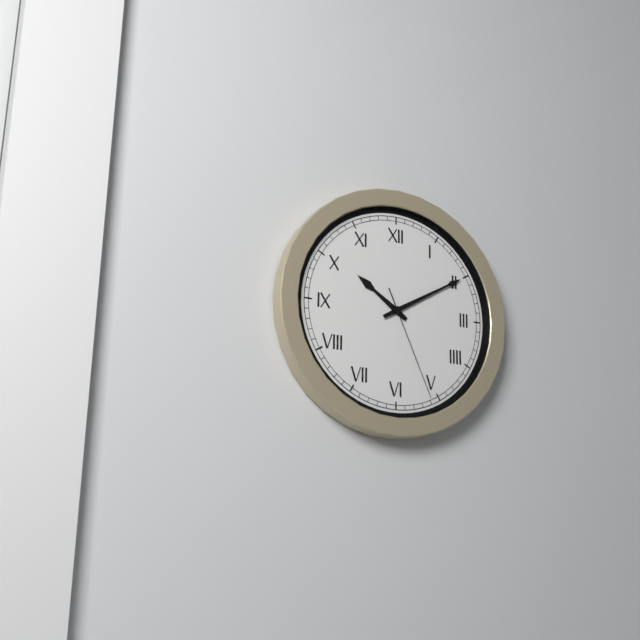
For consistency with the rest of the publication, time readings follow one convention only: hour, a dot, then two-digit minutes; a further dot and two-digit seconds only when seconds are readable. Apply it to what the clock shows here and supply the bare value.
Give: 10.10.26
